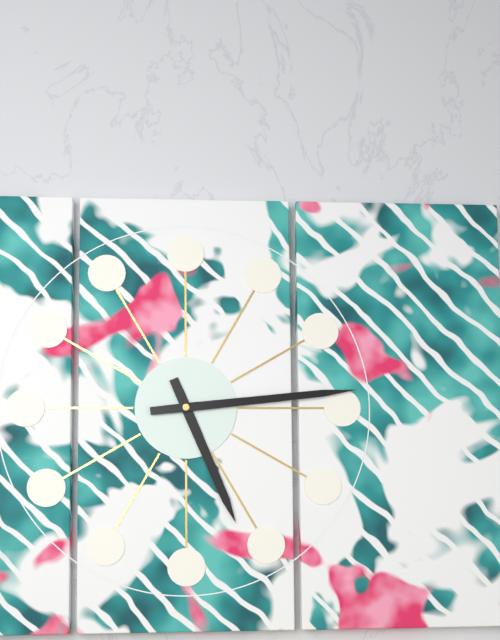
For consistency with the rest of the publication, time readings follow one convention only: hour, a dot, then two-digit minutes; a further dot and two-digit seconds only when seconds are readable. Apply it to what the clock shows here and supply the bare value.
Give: 5.14
